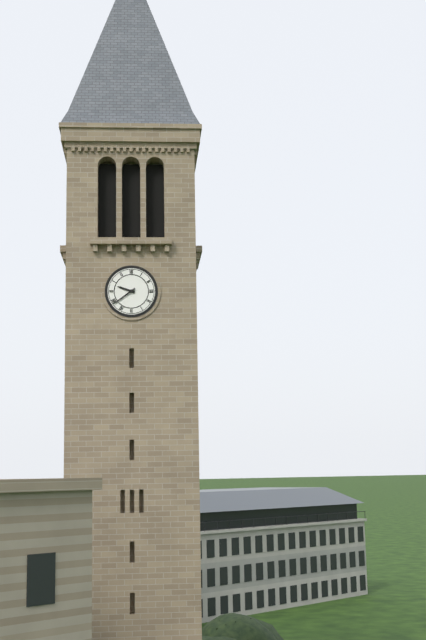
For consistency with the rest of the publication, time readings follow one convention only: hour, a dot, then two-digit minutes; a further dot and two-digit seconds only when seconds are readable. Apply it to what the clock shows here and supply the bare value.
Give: 9.39
